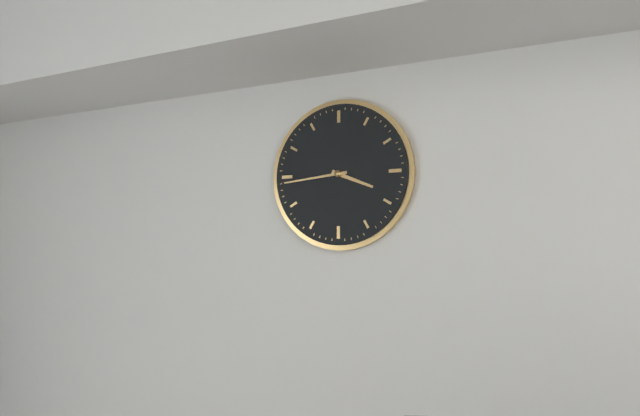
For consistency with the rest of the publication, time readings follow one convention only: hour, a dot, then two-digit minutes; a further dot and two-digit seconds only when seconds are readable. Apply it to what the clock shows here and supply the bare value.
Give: 3.44
